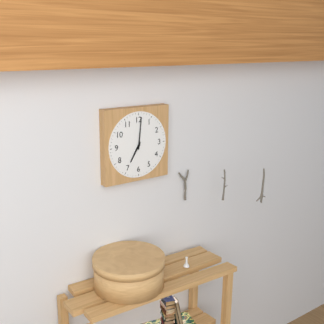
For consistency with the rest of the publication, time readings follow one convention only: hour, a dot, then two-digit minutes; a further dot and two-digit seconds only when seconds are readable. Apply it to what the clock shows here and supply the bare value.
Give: 7.01
